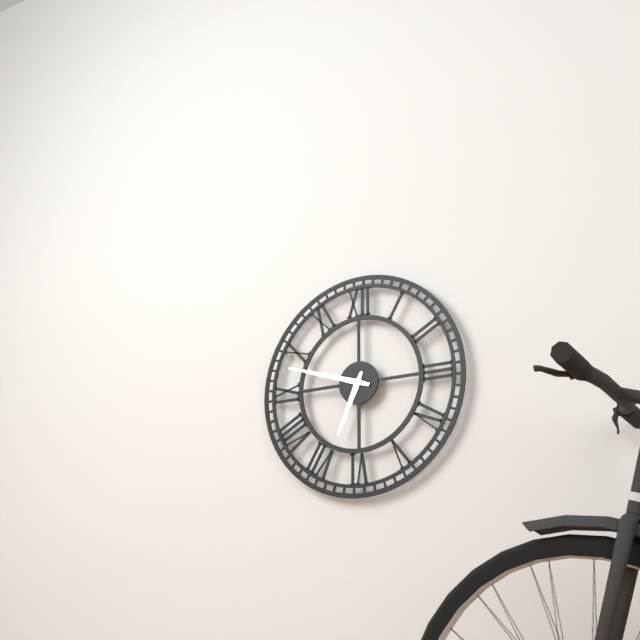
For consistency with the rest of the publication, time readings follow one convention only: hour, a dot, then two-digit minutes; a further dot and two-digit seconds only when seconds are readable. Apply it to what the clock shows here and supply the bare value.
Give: 6.48
